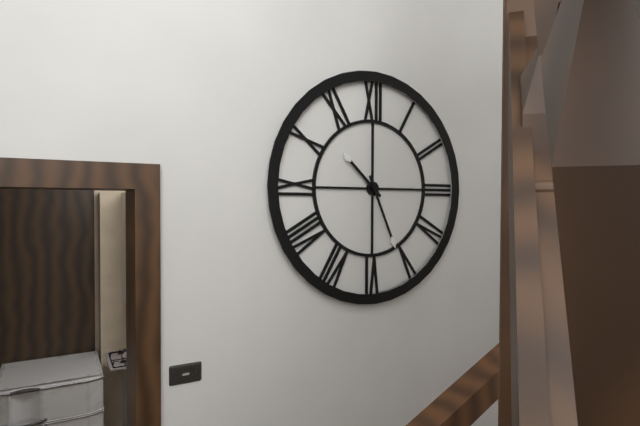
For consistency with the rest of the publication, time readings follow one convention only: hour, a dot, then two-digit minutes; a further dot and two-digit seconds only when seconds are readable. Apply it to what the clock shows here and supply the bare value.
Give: 10.26
